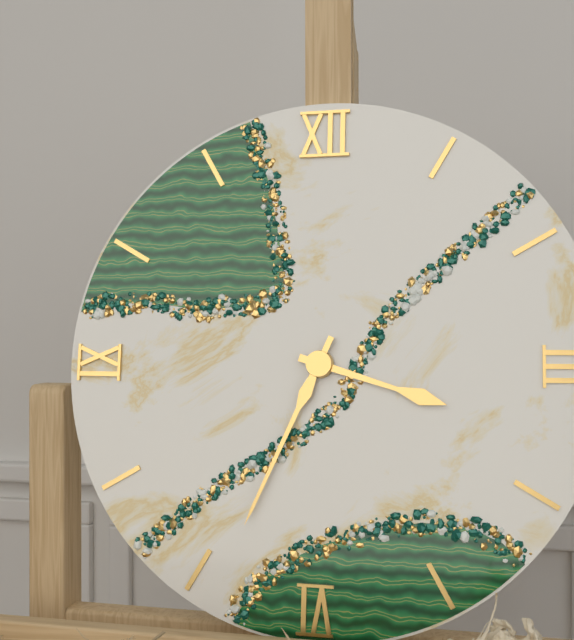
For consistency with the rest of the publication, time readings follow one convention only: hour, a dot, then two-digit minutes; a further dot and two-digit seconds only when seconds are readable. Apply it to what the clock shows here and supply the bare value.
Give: 3.34
